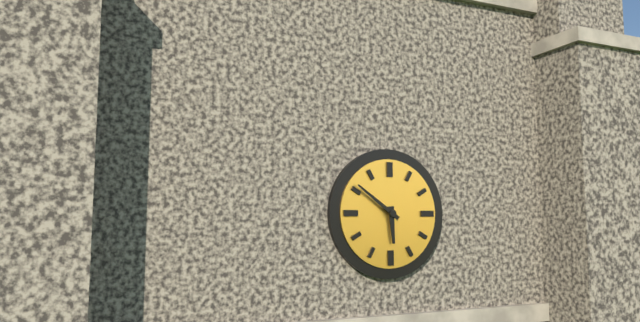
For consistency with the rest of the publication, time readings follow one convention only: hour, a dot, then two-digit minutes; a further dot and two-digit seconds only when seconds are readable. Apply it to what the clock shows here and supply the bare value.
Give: 5.51
